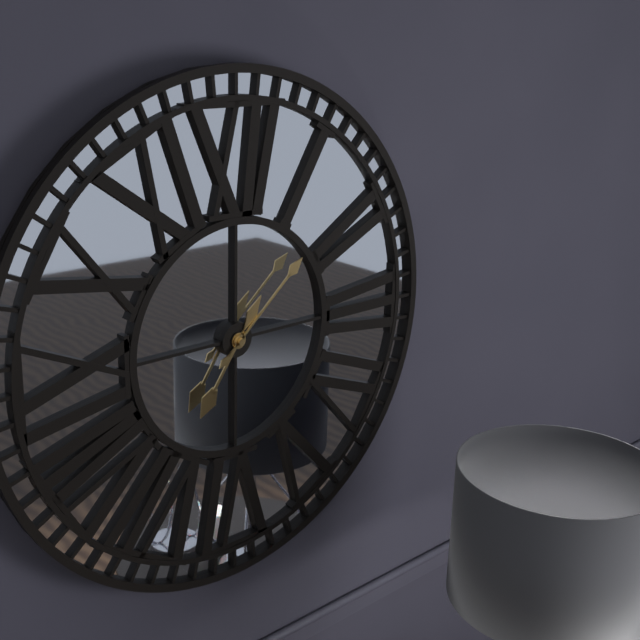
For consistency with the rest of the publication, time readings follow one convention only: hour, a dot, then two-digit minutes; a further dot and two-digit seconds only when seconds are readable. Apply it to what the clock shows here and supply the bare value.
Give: 7.08
